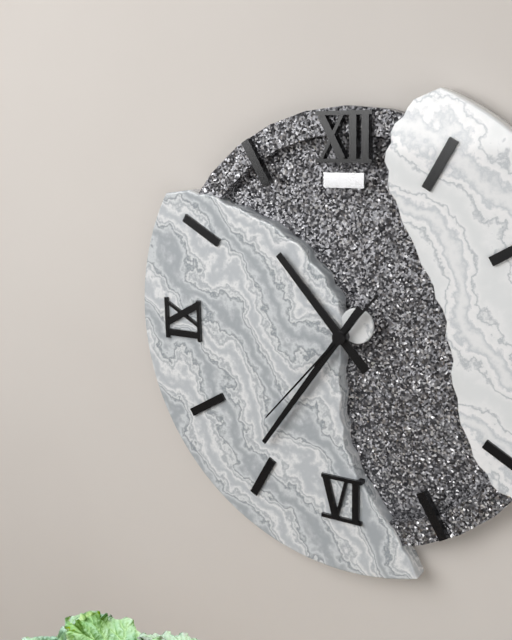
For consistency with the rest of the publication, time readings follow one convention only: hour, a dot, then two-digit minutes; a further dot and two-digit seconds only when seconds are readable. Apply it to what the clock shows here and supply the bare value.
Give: 10.36.37
